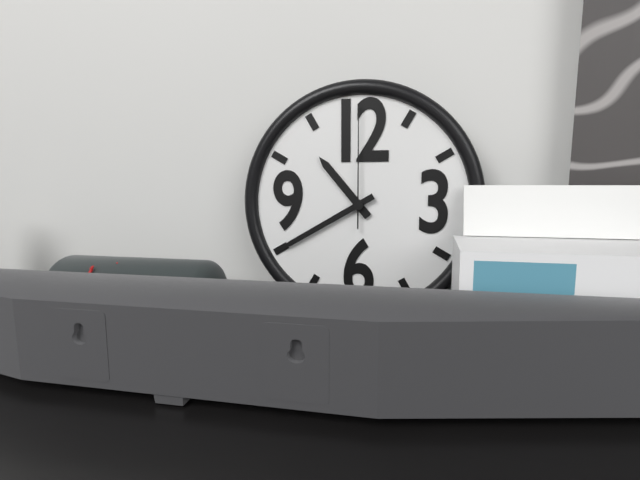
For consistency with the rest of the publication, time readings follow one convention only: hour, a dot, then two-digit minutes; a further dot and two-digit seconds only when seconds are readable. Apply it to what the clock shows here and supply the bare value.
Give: 10.40.00
